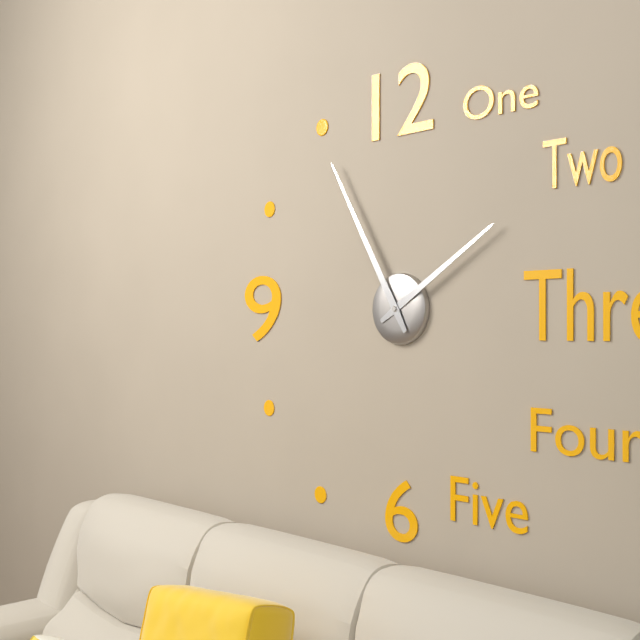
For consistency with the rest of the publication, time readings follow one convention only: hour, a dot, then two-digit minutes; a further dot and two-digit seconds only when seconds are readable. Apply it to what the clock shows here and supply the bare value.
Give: 1.55
